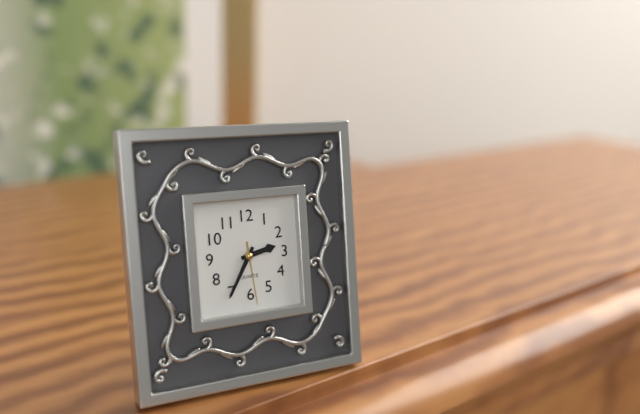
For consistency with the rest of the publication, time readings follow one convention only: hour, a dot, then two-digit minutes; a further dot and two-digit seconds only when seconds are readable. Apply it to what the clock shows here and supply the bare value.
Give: 2.35.29
